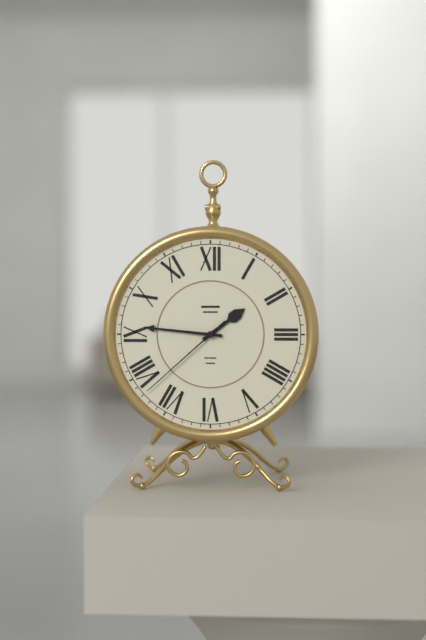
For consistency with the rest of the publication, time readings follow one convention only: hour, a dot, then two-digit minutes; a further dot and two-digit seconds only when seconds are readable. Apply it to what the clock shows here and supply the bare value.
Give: 1.46.38
